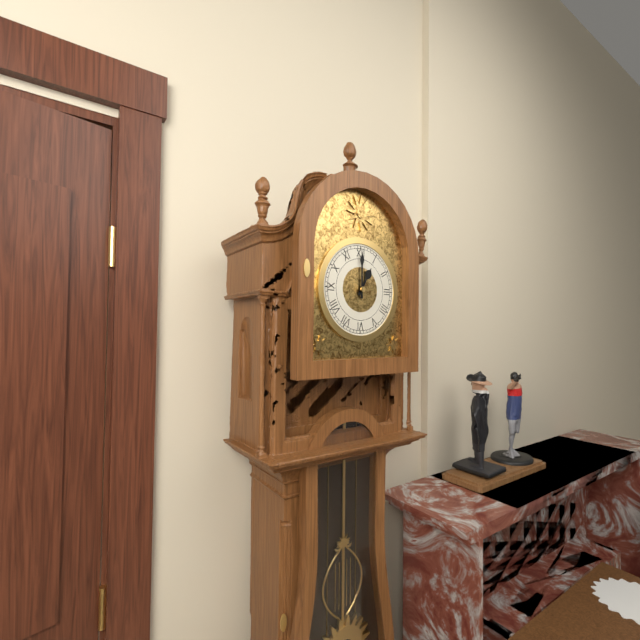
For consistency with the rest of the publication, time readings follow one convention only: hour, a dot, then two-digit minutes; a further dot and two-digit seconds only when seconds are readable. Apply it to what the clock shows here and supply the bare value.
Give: 1.00
